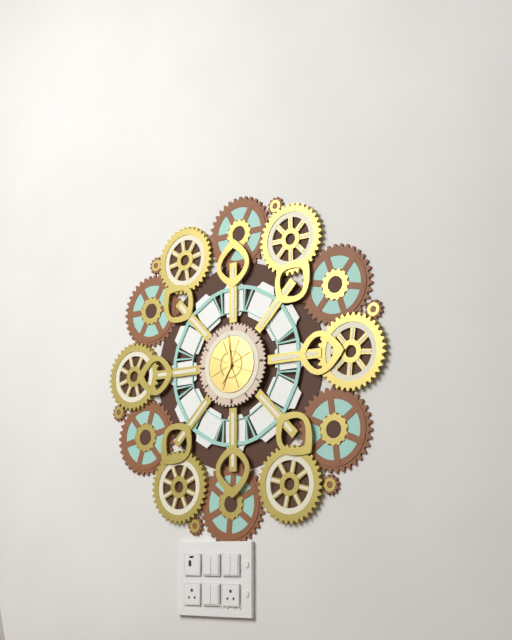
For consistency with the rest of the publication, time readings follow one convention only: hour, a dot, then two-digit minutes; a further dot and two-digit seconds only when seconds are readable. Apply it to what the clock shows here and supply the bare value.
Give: 6.59
